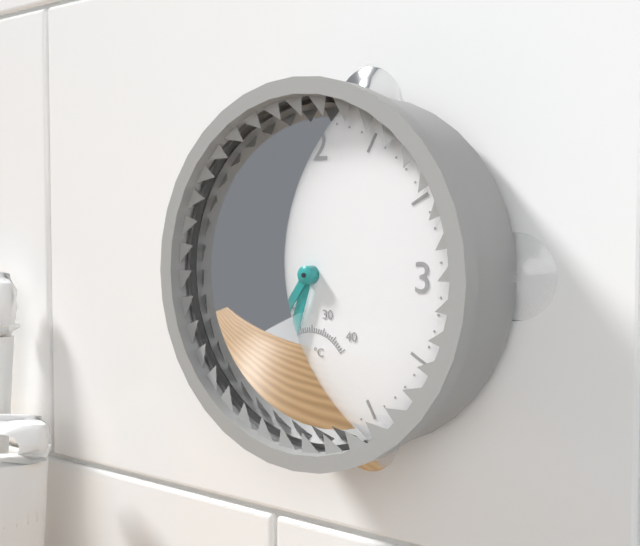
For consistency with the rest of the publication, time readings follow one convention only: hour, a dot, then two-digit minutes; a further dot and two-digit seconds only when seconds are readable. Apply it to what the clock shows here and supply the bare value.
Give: 6.36
